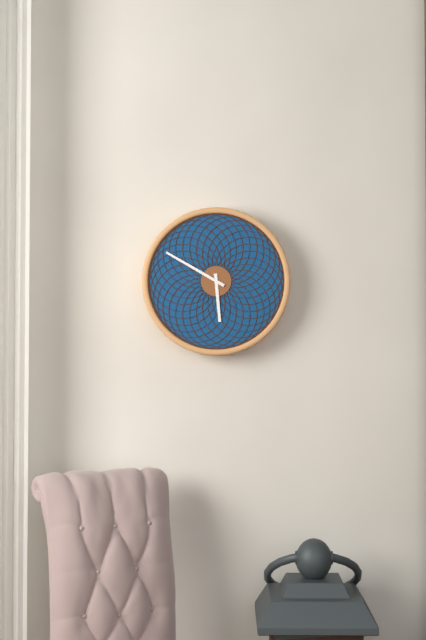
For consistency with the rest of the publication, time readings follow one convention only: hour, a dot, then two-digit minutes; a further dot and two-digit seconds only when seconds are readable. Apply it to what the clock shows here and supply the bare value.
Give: 5.50
